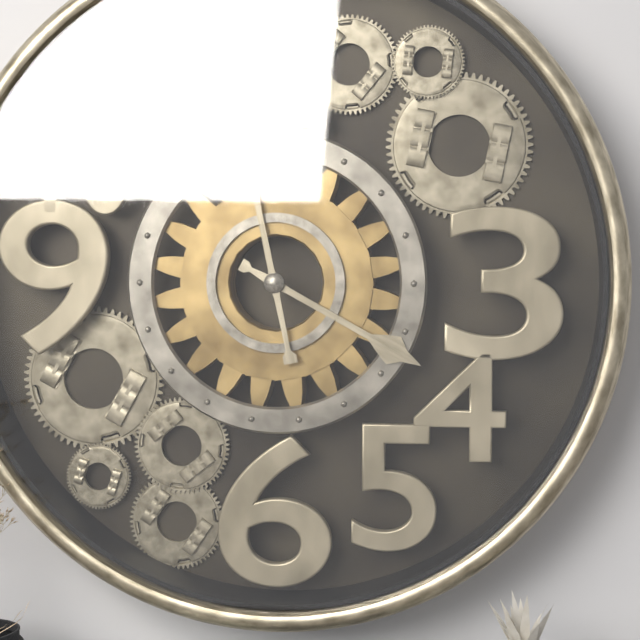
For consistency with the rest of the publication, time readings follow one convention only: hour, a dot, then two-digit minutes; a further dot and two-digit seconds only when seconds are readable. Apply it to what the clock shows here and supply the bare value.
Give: 3.58
